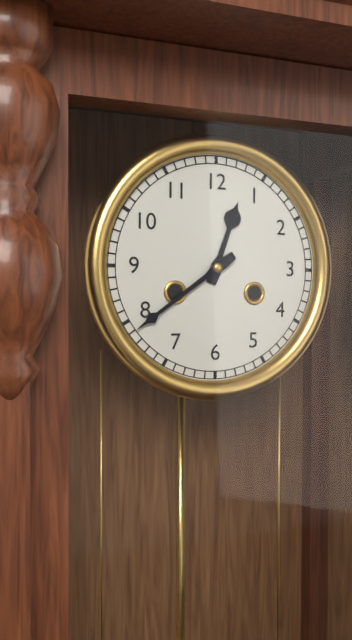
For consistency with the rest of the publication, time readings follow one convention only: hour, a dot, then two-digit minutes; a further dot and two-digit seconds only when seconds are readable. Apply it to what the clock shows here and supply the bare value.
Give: 12.39
